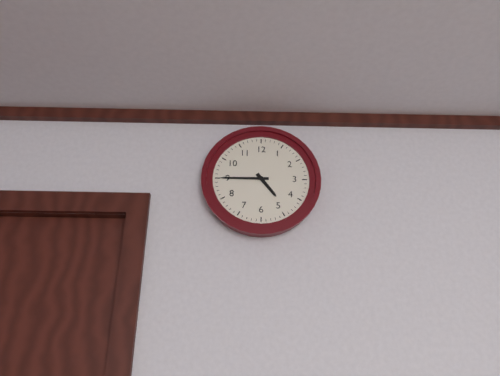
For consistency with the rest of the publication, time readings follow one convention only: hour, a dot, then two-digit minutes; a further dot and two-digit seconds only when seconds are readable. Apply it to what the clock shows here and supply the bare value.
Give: 4.45
